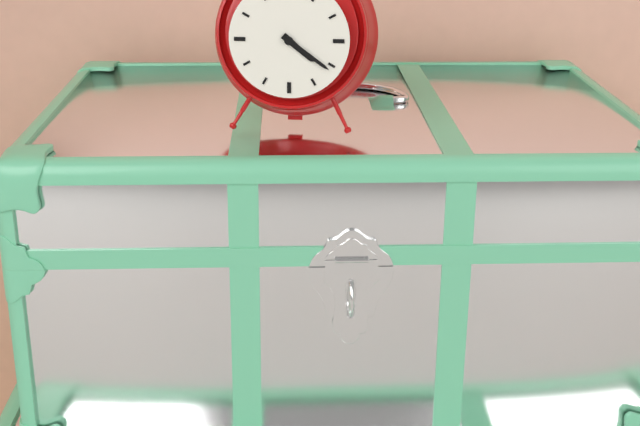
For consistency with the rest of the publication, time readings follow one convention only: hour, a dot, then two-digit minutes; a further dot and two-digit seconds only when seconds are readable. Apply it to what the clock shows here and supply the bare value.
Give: 4.21
